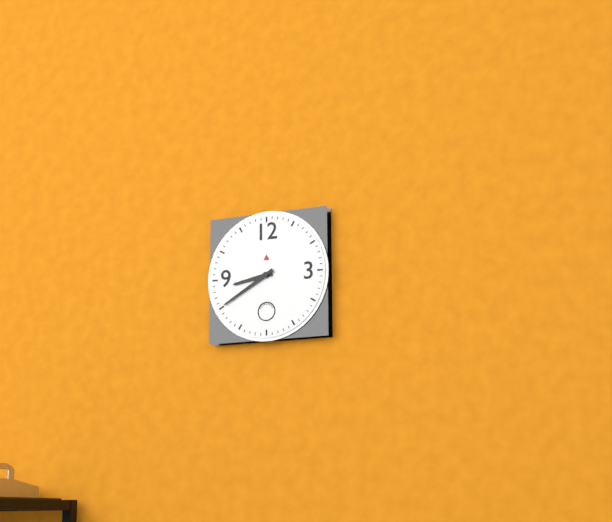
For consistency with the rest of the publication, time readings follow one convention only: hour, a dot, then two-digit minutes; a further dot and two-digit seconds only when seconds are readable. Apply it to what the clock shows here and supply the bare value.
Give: 8.40
